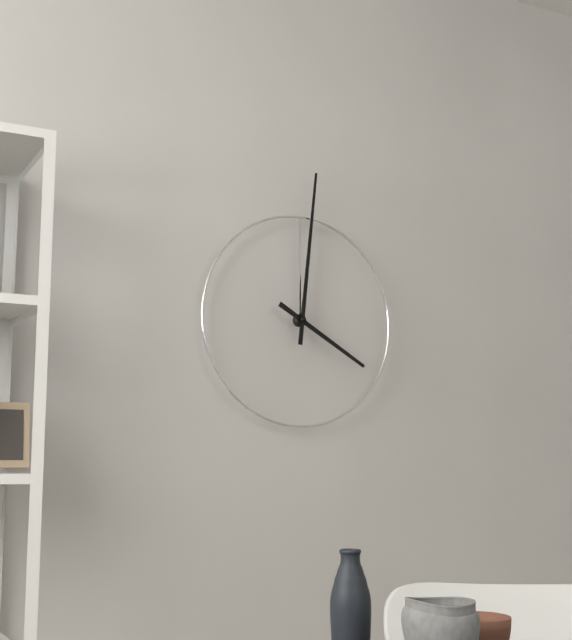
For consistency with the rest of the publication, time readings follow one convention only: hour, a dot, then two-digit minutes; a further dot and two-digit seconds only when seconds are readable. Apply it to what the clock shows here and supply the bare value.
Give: 4.01
